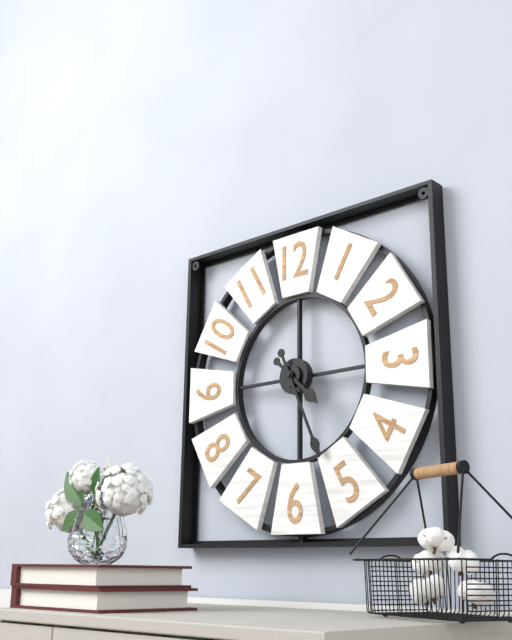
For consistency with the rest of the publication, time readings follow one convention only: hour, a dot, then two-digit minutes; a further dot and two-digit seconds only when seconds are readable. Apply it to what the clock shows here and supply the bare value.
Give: 4.26
